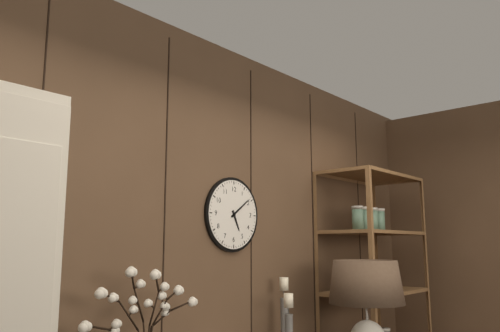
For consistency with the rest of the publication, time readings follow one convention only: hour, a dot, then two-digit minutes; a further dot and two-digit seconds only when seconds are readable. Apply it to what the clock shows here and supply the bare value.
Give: 5.09
